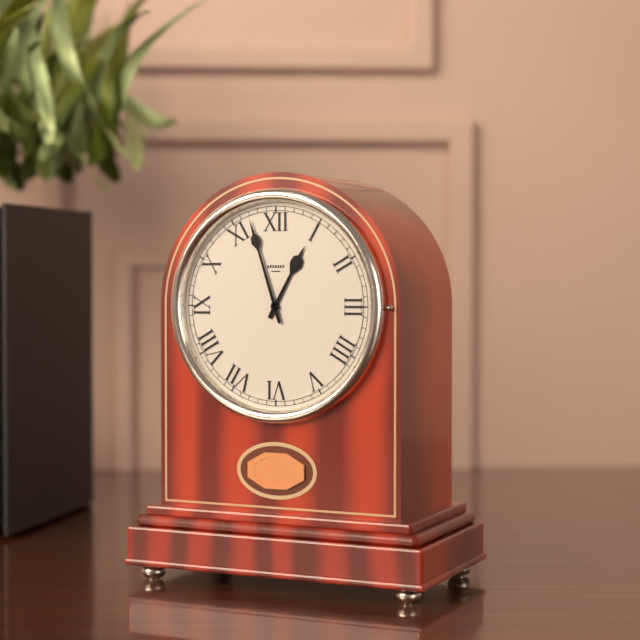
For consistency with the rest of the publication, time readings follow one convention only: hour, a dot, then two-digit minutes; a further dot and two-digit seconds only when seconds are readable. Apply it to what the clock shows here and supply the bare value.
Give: 12.57
